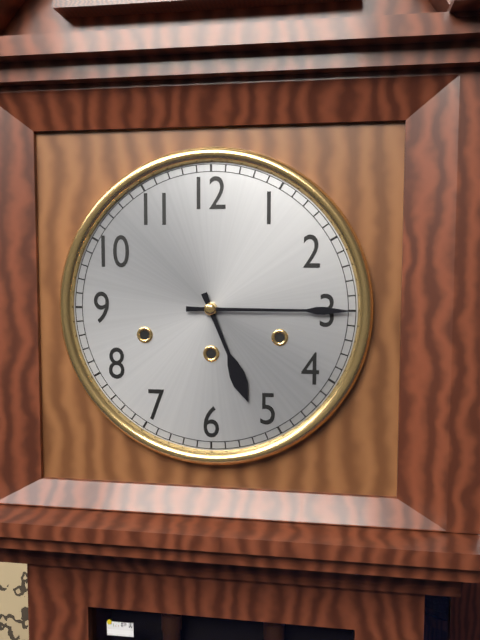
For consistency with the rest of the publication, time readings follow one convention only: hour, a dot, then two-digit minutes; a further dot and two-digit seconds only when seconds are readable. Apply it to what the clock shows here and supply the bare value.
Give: 5.15
